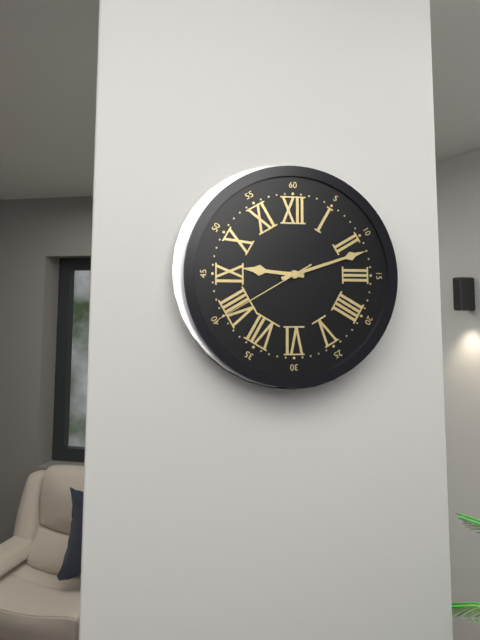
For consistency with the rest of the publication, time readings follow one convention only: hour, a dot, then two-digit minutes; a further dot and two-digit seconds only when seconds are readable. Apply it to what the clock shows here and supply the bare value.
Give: 9.12.40
